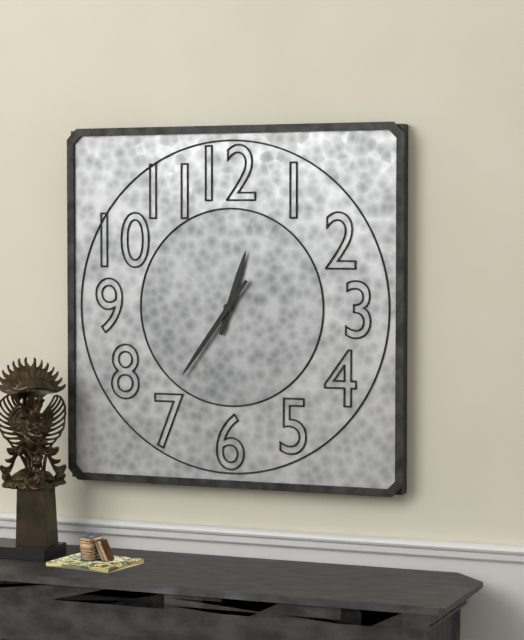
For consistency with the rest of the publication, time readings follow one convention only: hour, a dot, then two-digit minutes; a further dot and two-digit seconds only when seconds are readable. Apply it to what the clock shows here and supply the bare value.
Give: 12.36
